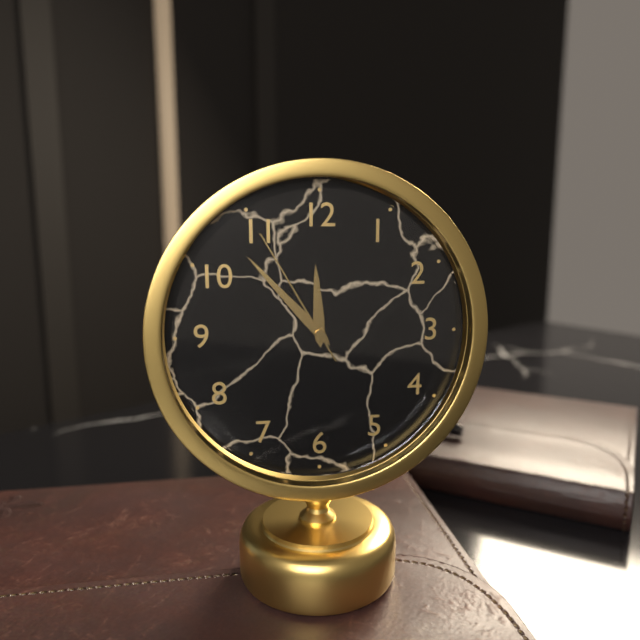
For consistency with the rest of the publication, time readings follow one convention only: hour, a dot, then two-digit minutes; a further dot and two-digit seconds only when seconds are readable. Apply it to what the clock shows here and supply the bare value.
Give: 11.53.55
